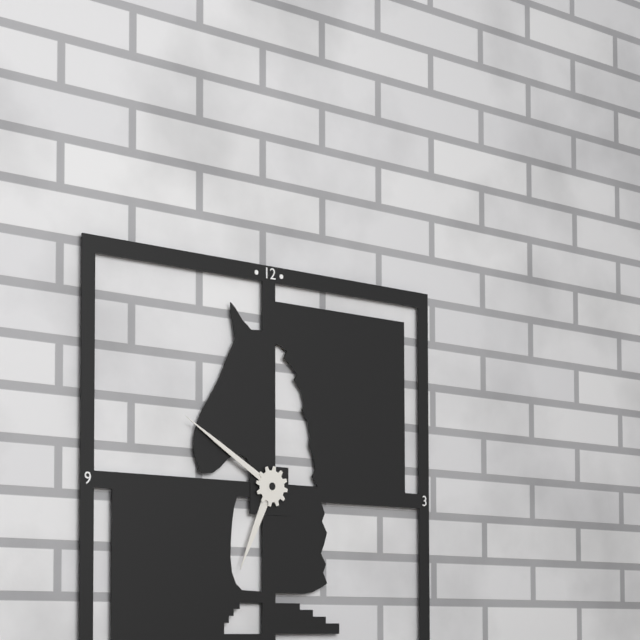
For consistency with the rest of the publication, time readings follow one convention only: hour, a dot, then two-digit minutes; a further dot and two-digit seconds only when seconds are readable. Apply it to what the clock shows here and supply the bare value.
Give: 6.50
